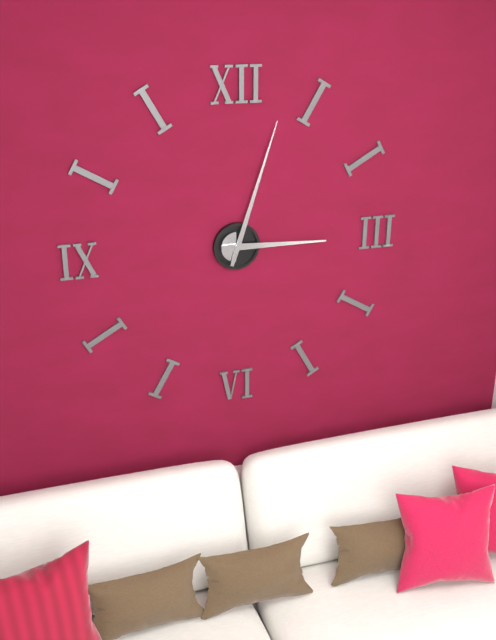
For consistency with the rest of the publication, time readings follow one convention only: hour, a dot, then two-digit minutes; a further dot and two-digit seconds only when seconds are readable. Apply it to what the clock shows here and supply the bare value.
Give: 3.03
